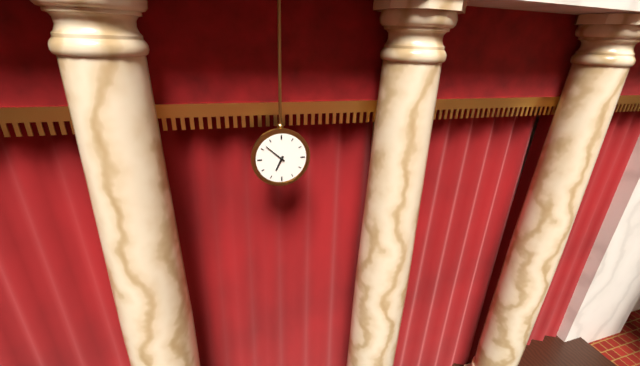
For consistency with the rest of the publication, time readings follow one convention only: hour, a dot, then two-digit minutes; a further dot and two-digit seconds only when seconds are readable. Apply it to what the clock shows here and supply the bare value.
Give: 6.52
